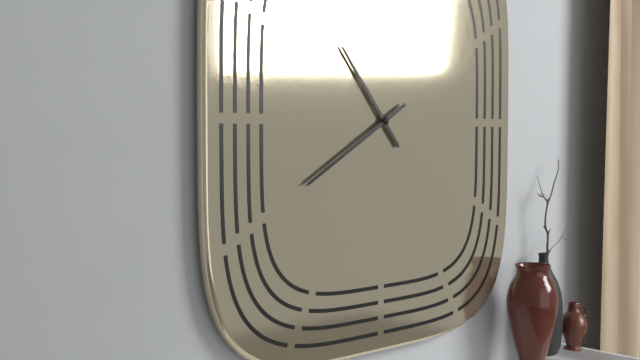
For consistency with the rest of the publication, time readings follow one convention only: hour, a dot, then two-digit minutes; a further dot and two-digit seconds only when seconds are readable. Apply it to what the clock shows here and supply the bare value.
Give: 10.40
